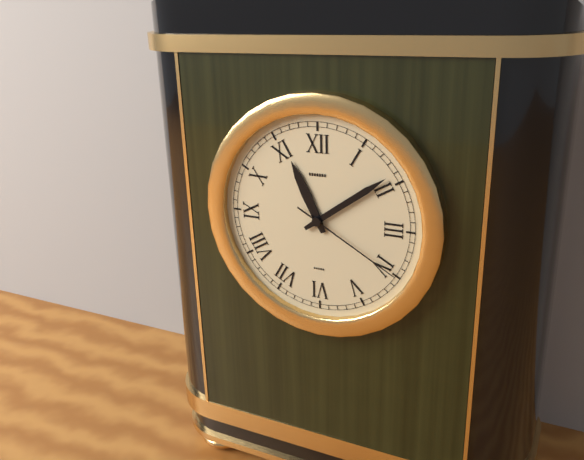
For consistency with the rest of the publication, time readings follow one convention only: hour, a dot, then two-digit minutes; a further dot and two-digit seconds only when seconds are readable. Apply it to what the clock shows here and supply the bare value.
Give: 11.09.20
